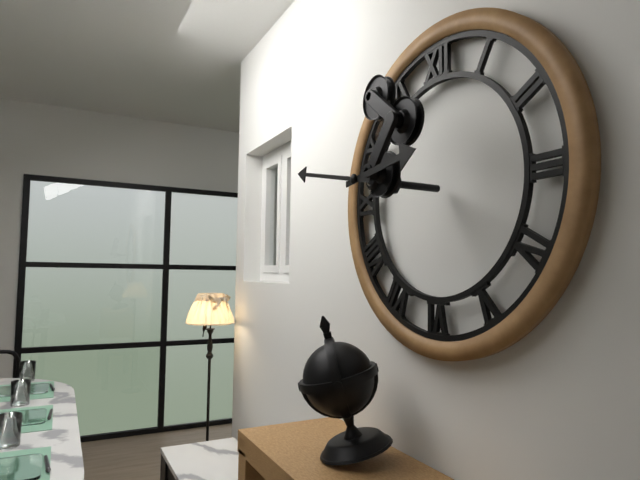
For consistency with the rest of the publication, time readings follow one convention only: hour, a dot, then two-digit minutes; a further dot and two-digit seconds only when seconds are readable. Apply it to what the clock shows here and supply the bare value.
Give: 2.47
